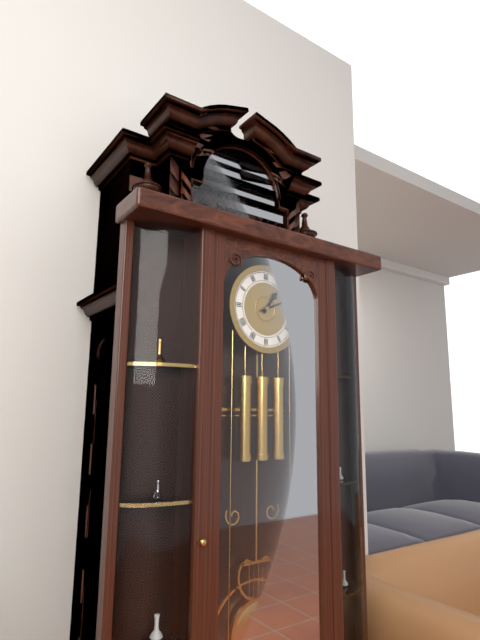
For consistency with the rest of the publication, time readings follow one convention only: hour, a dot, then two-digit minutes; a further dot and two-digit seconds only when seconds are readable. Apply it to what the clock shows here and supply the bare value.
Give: 1.11
